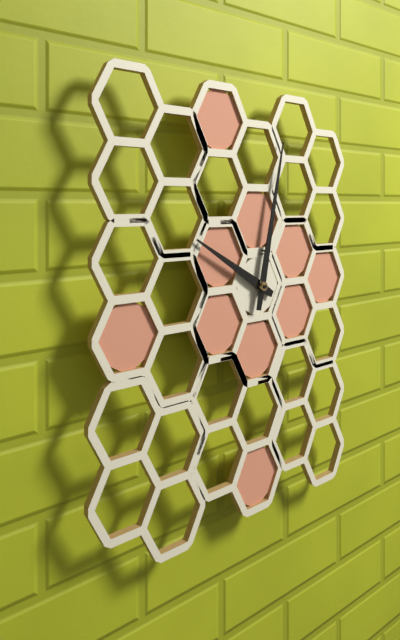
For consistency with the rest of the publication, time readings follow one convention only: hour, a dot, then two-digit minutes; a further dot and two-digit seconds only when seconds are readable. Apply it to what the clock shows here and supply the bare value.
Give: 10.02
